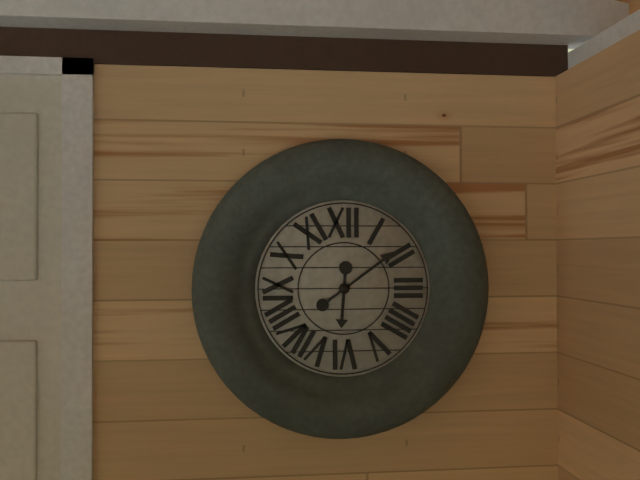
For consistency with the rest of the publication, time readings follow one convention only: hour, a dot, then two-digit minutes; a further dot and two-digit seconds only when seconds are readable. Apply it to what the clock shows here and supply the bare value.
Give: 6.09
